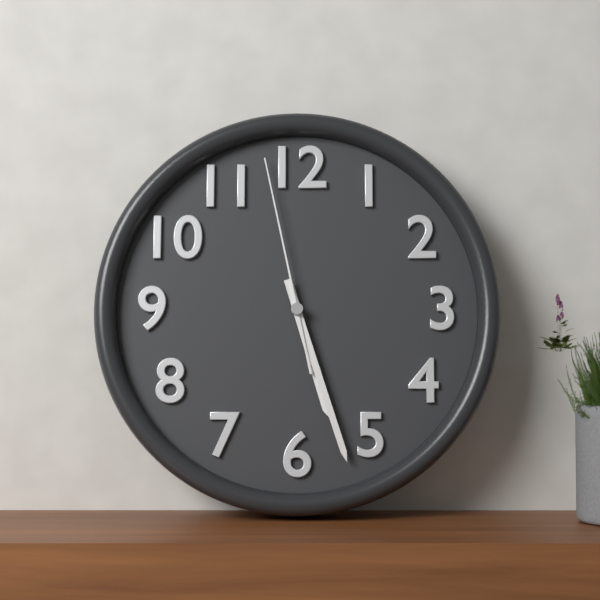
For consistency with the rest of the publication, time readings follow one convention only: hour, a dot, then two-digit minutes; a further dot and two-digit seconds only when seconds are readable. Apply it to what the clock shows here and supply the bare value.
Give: 5.27.58
